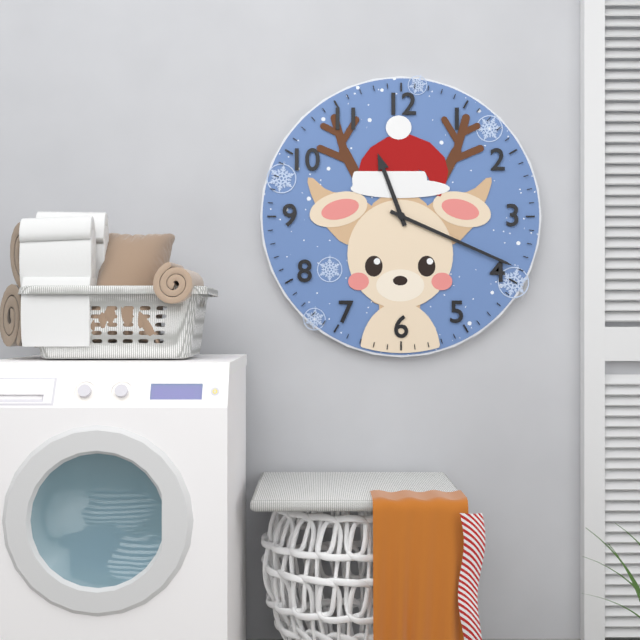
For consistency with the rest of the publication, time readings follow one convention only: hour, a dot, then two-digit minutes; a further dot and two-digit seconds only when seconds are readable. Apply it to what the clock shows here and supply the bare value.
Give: 11.19
